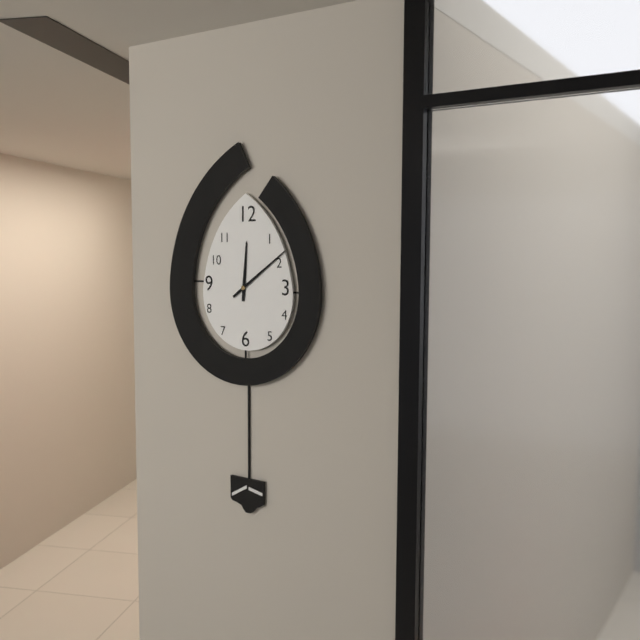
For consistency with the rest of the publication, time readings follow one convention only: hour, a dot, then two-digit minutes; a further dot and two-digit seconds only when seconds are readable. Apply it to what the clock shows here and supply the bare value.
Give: 12.09
